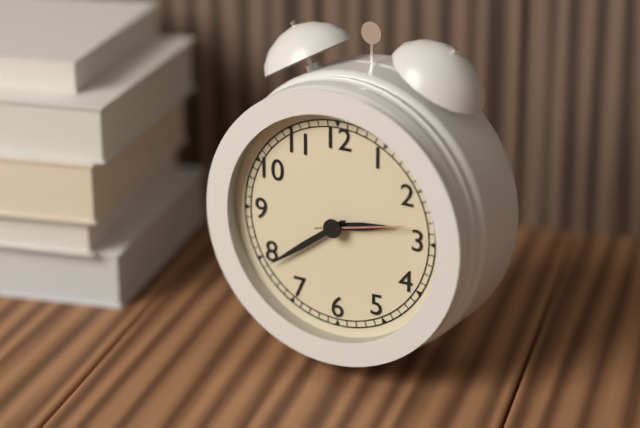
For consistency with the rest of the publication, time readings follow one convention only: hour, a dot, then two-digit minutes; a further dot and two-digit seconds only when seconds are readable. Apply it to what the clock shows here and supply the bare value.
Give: 2.39.13
